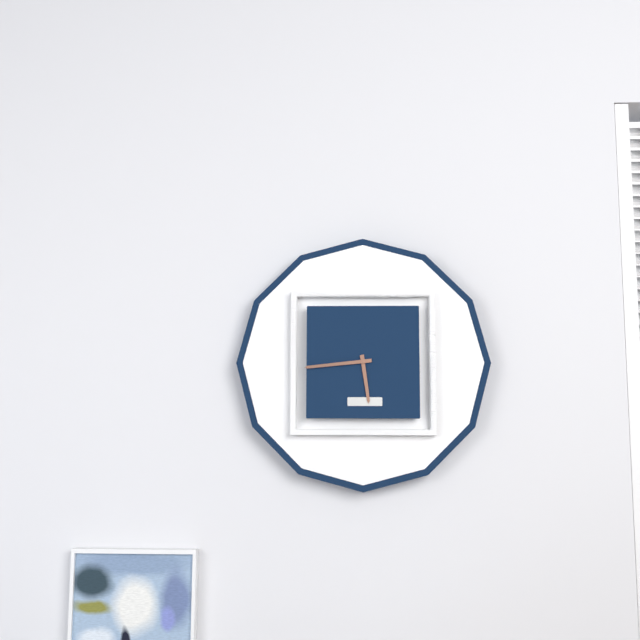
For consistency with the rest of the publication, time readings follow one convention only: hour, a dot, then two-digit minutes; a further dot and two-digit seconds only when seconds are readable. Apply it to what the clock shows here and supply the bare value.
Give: 5.44
